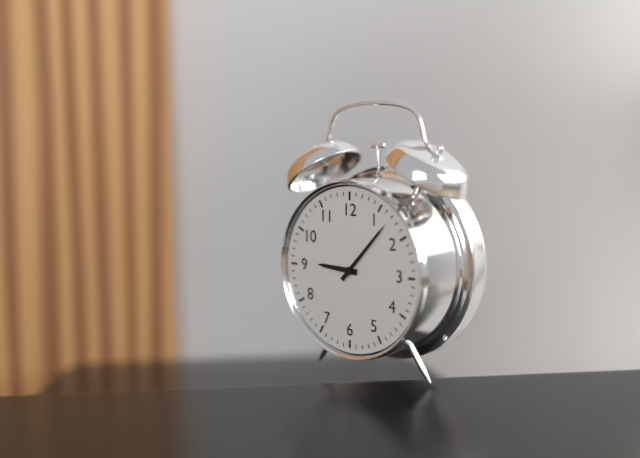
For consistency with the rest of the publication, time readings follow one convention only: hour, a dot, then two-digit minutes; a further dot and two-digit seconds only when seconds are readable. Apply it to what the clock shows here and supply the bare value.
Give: 9.07
